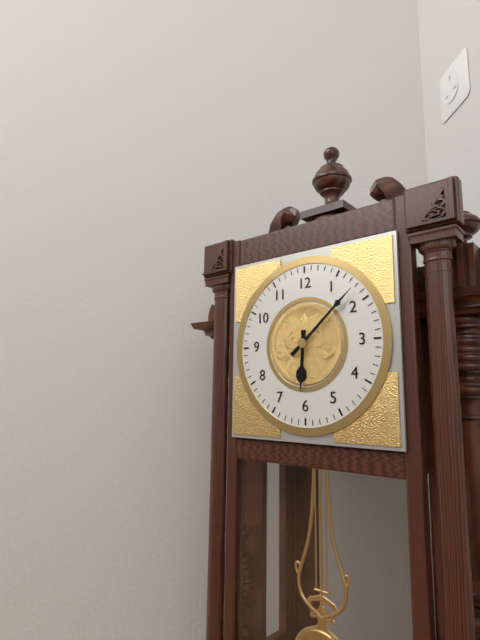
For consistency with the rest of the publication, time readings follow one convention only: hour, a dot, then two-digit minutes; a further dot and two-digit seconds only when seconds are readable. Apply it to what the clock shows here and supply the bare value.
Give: 6.08
